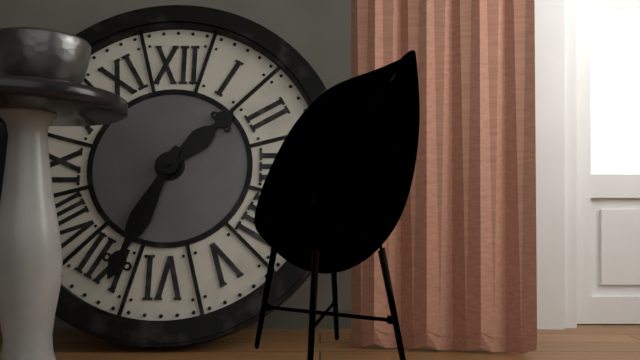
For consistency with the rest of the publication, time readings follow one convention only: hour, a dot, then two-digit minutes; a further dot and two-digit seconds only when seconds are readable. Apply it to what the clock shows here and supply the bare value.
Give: 1.34
